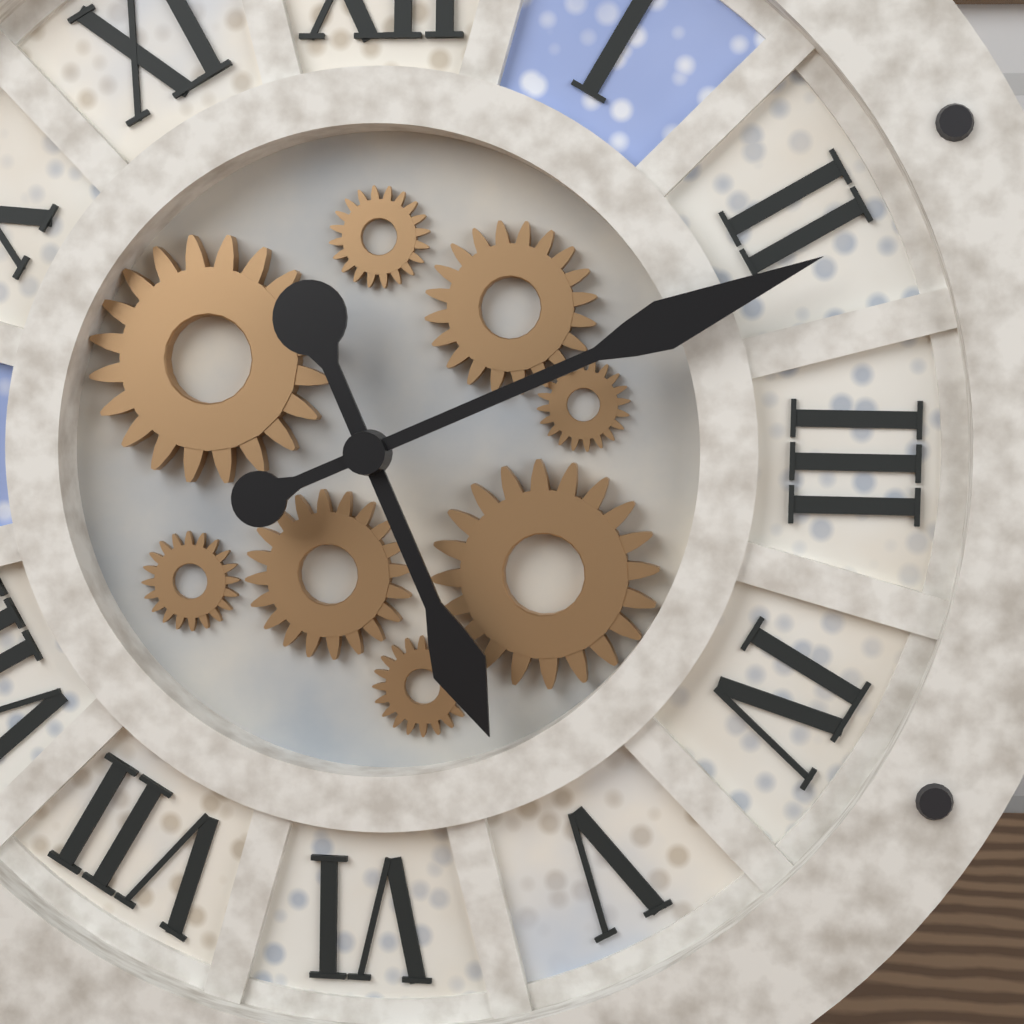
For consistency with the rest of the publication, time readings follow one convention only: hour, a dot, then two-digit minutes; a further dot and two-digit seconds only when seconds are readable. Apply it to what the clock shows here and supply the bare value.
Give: 5.11
